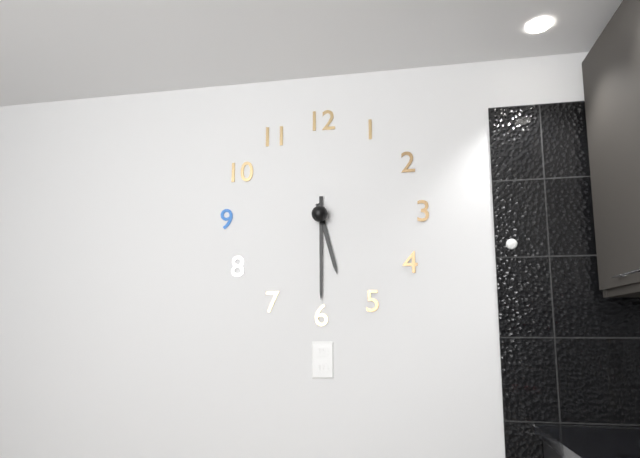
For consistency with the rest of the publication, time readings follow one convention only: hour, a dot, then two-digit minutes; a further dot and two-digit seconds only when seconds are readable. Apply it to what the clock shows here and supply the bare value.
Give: 5.30
